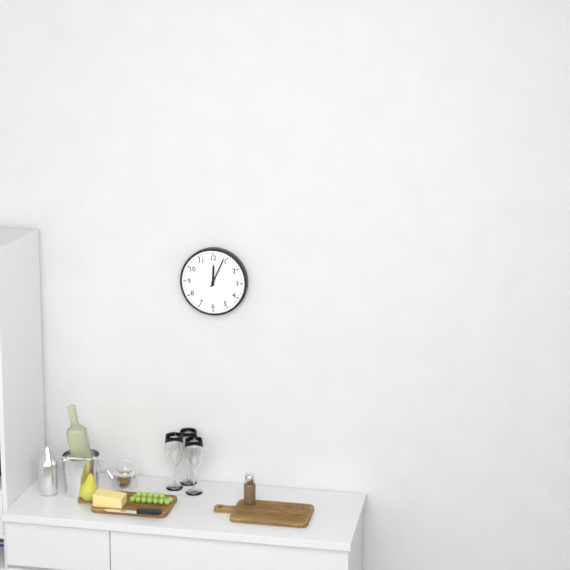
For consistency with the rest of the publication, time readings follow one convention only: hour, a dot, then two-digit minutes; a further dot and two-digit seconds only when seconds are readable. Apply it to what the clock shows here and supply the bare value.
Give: 12.04
